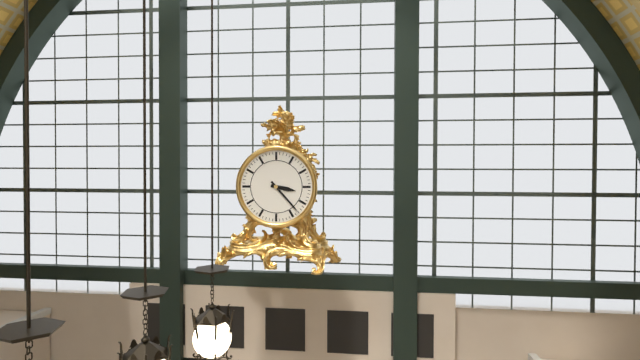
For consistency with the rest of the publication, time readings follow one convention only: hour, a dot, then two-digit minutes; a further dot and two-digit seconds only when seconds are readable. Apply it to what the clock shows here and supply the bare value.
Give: 3.23
